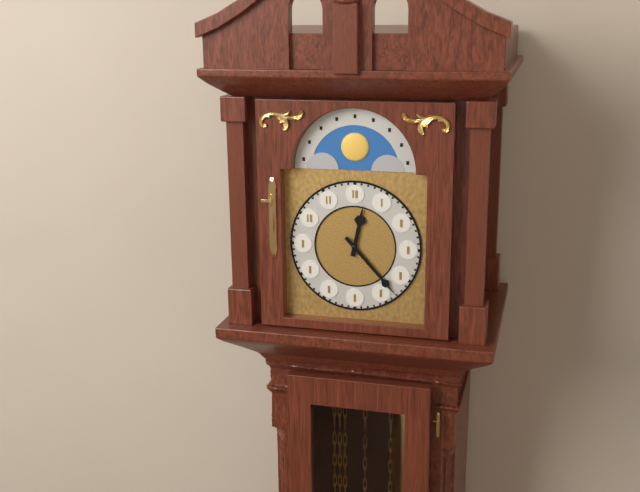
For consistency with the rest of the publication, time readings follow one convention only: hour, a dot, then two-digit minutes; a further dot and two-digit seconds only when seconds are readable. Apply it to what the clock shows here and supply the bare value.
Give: 12.23
